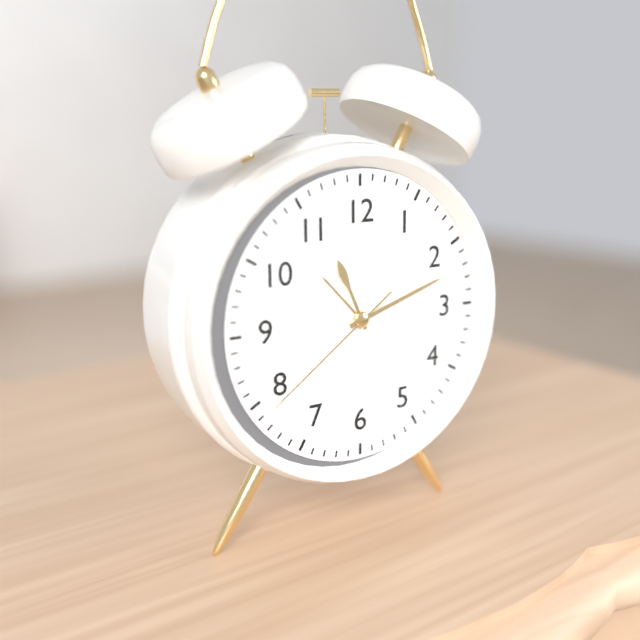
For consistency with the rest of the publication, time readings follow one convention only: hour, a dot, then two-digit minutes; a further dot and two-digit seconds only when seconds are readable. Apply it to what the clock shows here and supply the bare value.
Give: 11.12.39
